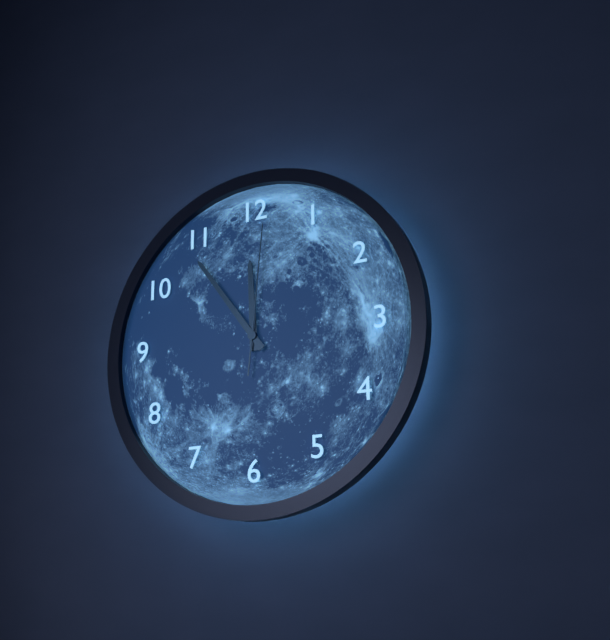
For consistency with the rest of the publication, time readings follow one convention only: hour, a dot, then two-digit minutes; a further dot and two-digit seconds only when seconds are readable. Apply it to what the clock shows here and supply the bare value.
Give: 11.54.01
